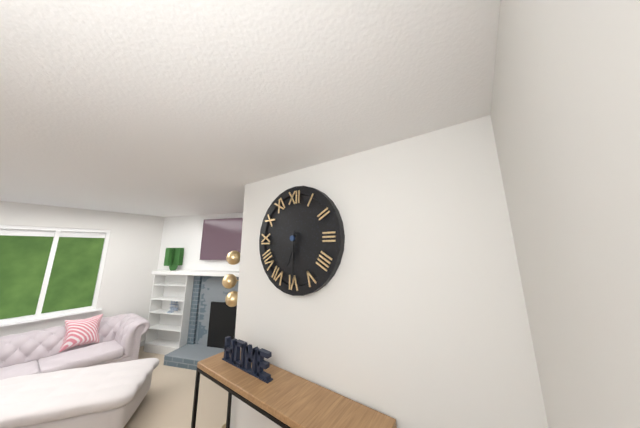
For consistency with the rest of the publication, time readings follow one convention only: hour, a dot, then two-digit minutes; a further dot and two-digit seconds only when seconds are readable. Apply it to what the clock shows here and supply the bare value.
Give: 6.30
